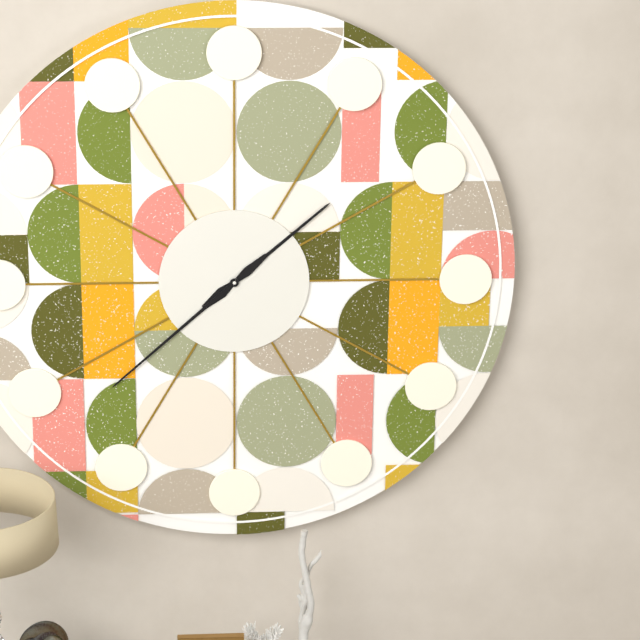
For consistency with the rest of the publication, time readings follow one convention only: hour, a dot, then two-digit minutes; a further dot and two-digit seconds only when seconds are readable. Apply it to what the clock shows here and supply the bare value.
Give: 1.38
